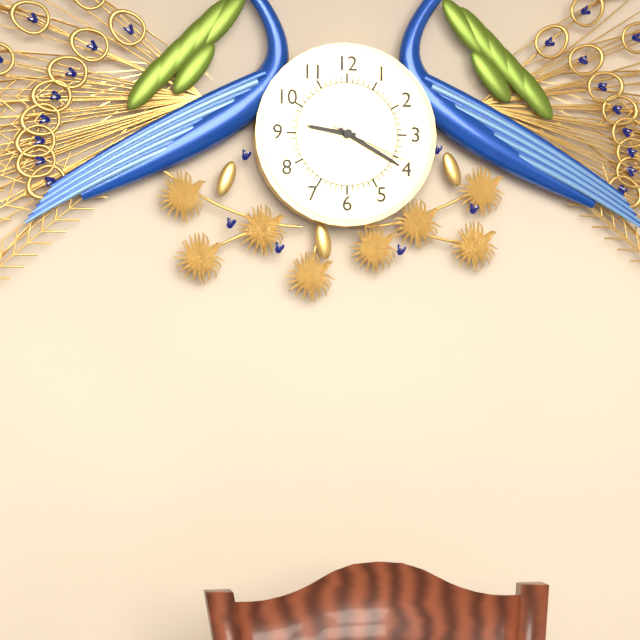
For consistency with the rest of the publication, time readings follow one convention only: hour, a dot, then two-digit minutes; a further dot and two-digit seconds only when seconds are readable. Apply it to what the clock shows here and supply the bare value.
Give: 9.20.19
